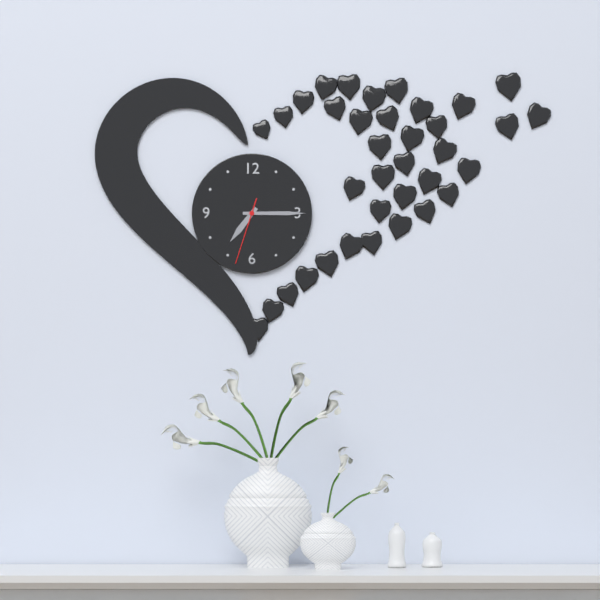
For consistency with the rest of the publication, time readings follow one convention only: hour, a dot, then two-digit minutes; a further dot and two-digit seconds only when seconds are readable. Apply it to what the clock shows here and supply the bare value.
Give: 7.15.33
